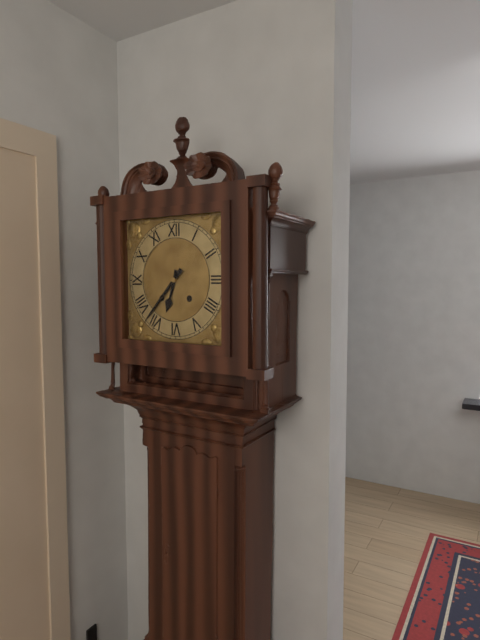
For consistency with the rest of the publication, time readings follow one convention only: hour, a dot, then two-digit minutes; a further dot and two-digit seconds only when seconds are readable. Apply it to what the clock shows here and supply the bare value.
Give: 6.37
